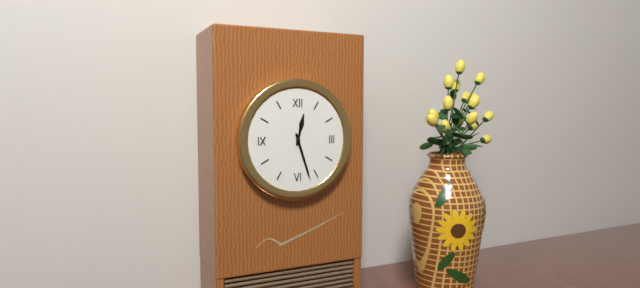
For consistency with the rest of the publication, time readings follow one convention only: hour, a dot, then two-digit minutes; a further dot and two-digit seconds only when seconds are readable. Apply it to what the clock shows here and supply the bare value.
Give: 12.27
